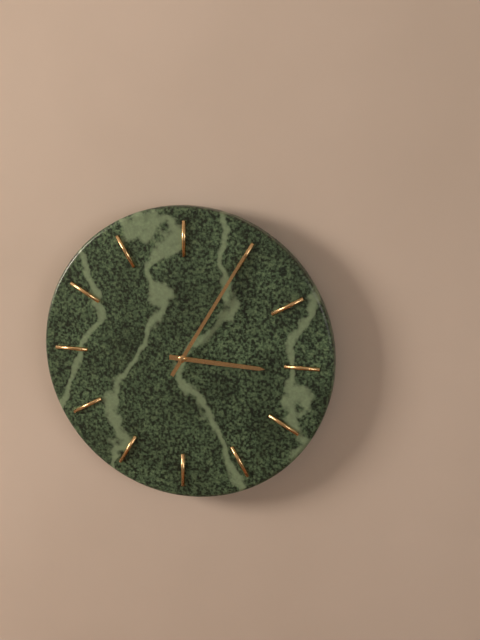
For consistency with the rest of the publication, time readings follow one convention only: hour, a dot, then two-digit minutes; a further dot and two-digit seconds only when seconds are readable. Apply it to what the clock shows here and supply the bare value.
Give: 3.05
